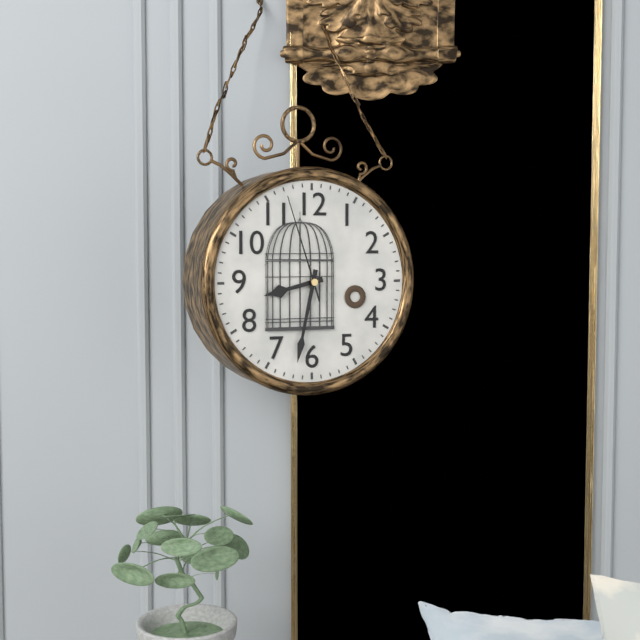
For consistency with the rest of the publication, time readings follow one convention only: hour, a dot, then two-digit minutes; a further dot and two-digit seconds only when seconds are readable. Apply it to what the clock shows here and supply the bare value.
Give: 8.32.57
